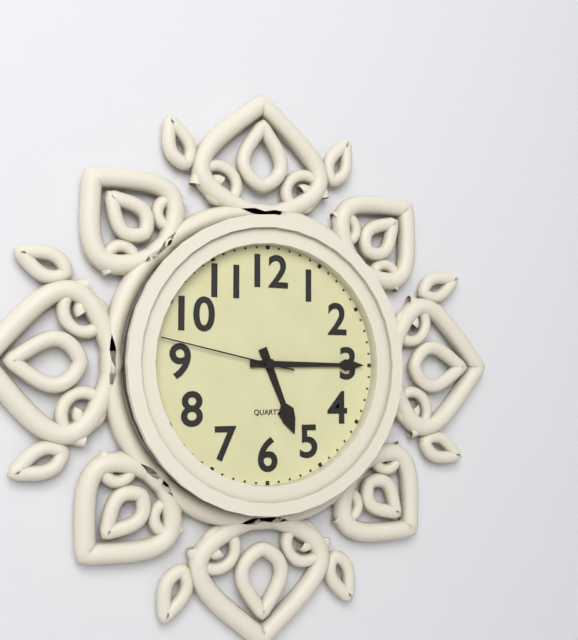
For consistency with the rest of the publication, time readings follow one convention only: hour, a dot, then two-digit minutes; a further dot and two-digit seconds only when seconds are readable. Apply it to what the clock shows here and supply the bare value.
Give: 5.15.47
